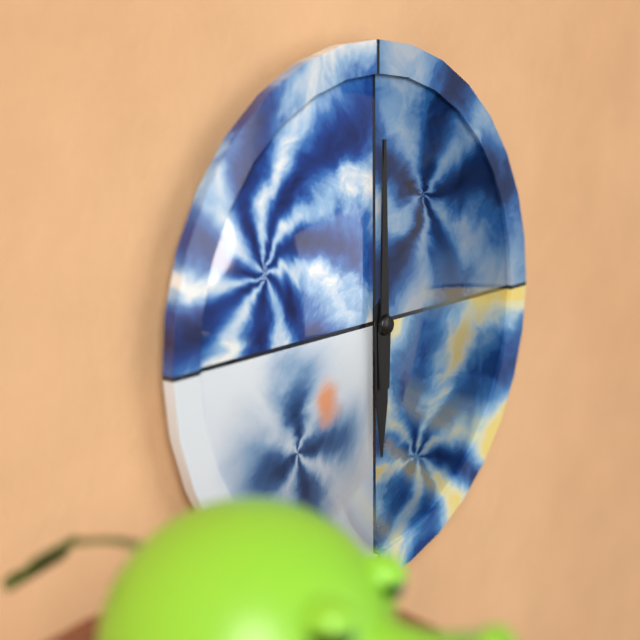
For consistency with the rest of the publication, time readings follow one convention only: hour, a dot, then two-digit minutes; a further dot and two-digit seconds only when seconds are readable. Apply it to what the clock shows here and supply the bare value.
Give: 6.00
